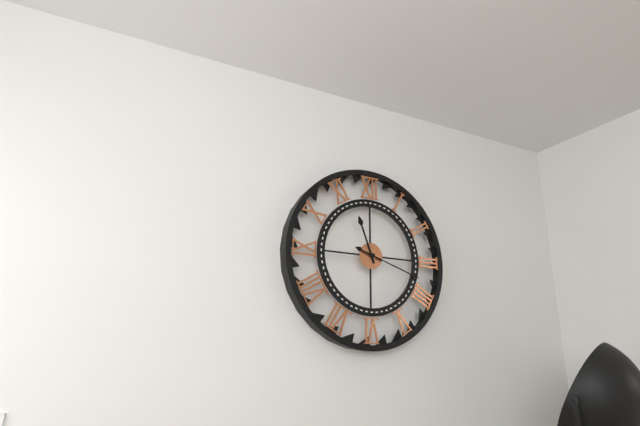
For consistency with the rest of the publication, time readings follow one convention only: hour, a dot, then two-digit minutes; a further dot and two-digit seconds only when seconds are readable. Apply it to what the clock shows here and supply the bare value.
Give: 11.18
